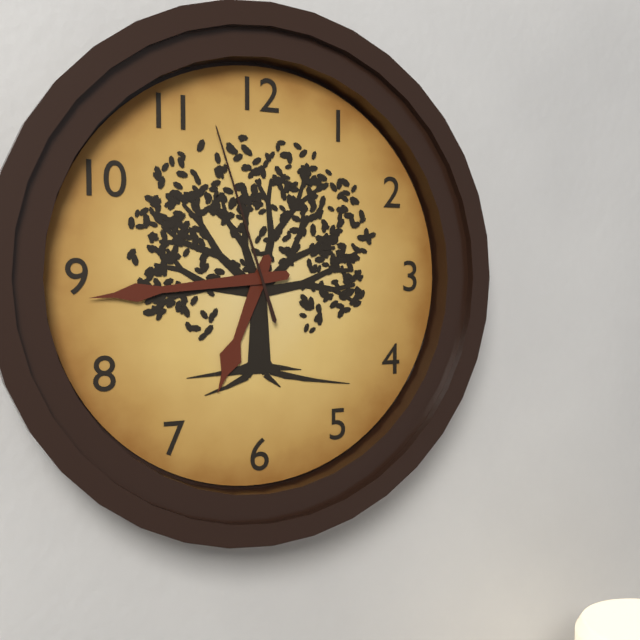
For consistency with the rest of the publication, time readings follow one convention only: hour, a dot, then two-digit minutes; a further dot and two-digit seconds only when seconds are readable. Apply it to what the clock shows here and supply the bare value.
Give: 6.44.57
